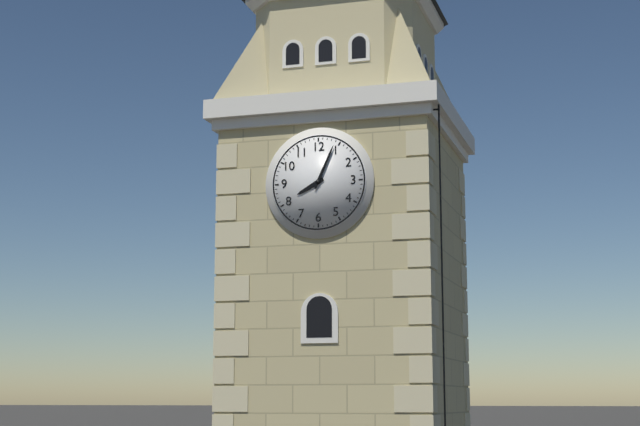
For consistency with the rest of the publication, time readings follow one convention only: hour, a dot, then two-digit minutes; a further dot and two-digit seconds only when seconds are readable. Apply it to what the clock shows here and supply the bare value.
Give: 8.04
